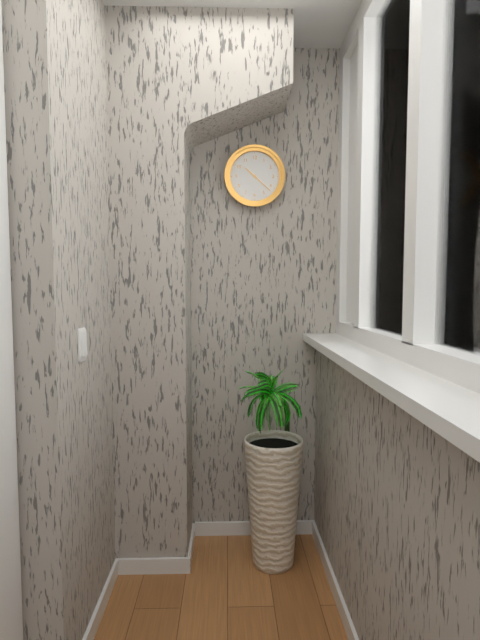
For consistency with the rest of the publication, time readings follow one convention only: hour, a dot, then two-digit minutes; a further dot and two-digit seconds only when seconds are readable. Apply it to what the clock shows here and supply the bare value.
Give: 10.22
